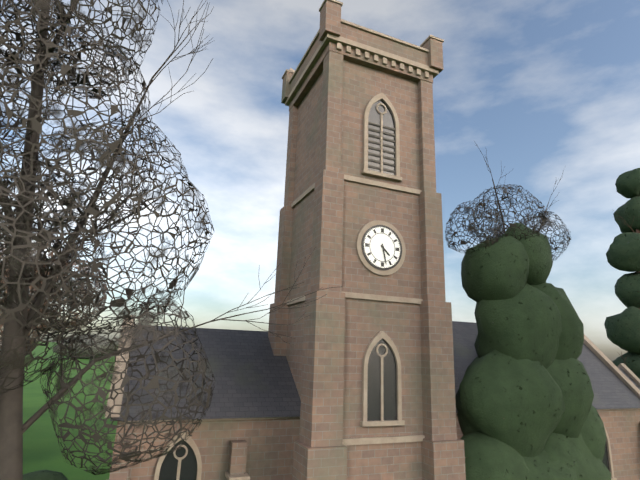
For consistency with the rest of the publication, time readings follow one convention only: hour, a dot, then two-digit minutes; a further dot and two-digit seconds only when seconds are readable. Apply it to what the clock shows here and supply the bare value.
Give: 4.28
